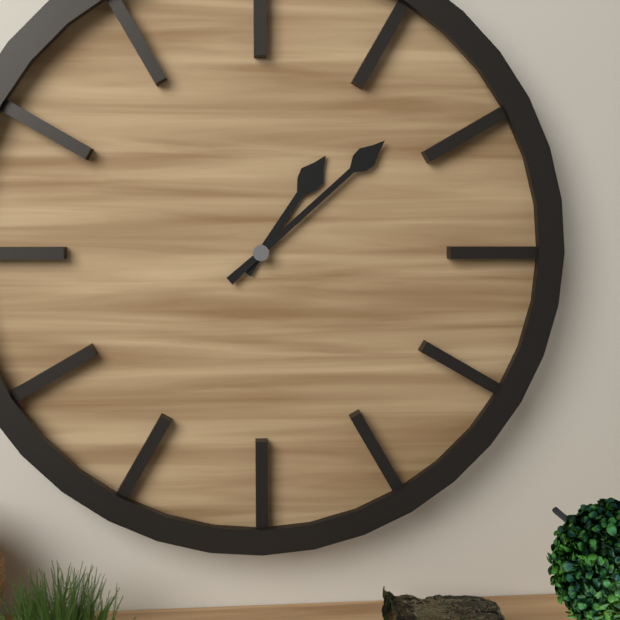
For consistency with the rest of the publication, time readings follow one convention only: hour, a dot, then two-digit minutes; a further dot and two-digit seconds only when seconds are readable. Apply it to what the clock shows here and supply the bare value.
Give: 1.08
